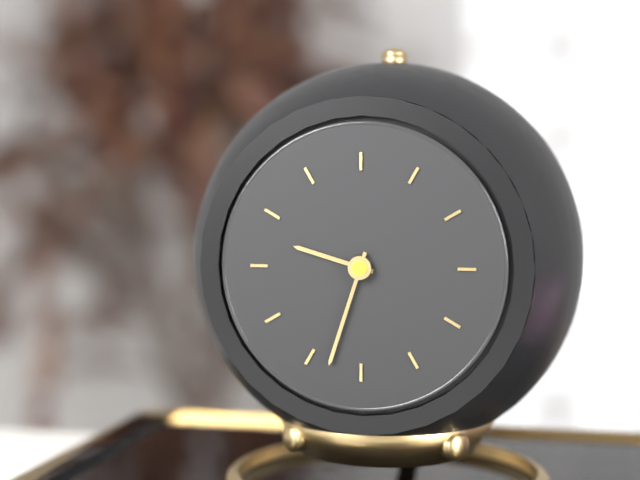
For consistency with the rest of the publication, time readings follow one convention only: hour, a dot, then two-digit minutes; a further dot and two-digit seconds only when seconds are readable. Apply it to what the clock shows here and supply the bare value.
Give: 9.33
